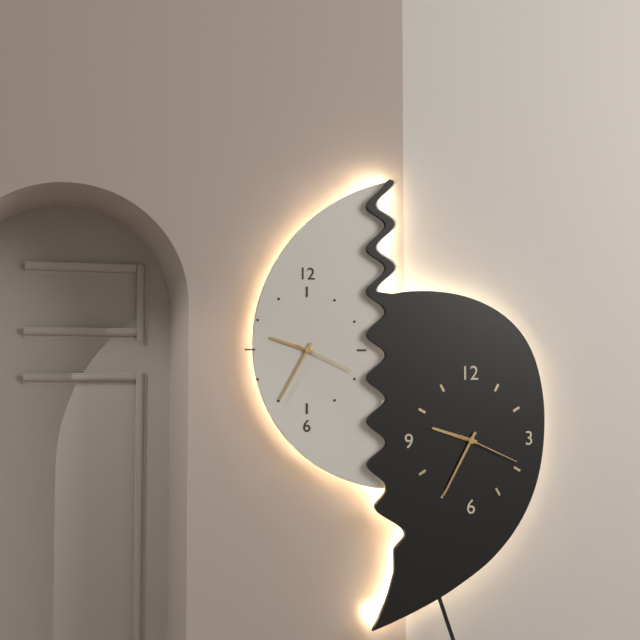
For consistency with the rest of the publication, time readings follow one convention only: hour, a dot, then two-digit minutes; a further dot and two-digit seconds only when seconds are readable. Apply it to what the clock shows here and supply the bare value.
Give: 9.35.19
